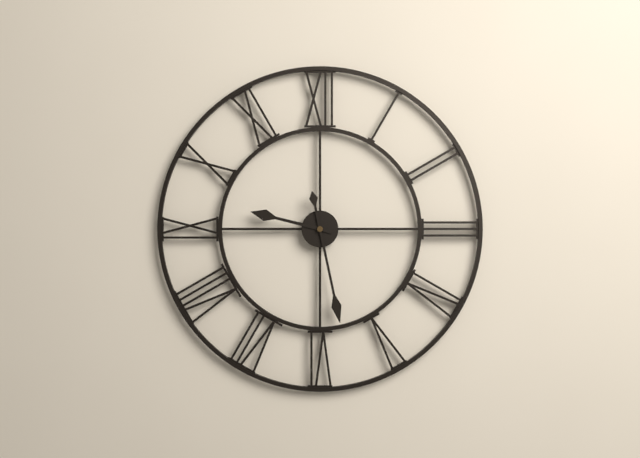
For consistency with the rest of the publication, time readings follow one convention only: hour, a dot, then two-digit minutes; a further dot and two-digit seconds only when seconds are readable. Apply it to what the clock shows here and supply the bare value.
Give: 9.28
